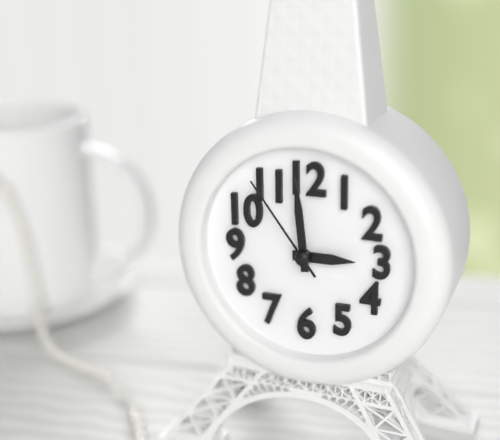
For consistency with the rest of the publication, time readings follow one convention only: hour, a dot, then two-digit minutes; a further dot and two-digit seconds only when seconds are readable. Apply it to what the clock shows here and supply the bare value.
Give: 2.59.54
